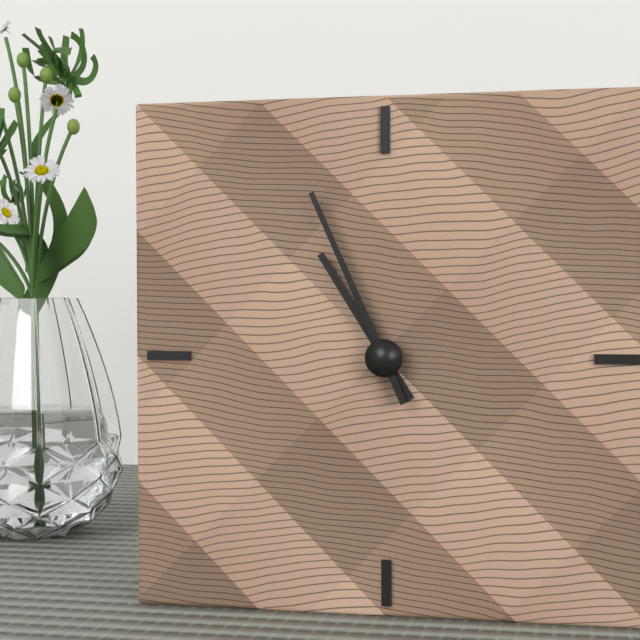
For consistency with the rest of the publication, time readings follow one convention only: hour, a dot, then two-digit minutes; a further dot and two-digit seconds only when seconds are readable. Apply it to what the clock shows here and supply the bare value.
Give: 10.56
